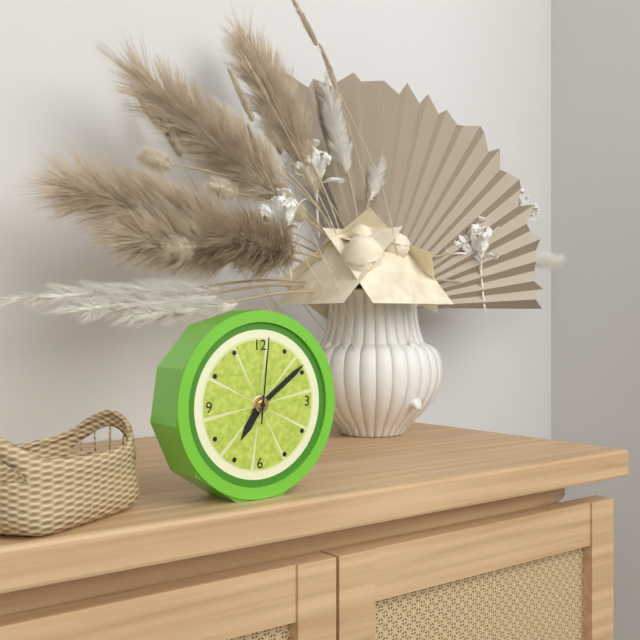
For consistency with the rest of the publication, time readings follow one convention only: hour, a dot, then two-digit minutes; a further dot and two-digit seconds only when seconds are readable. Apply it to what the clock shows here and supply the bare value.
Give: 7.09.01
